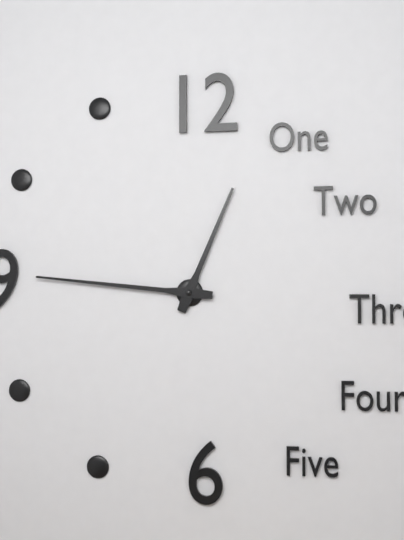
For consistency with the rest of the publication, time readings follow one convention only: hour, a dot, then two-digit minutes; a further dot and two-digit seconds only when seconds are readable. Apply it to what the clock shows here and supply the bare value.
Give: 12.46
